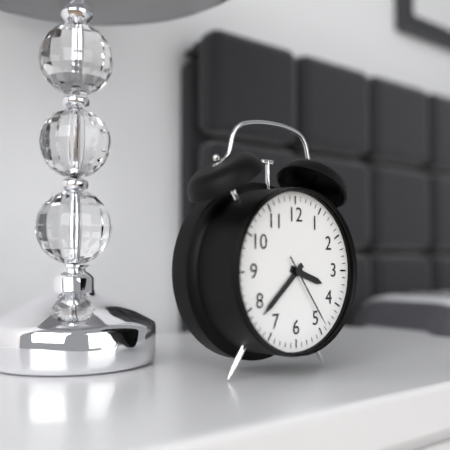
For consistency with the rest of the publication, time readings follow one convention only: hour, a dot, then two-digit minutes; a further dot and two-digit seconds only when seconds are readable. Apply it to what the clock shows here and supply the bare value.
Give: 3.38.24
